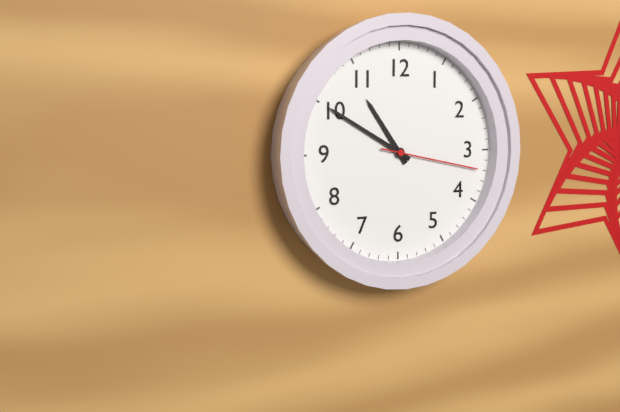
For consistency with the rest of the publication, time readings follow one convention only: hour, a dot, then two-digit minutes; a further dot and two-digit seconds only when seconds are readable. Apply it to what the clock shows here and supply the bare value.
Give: 10.50.17
